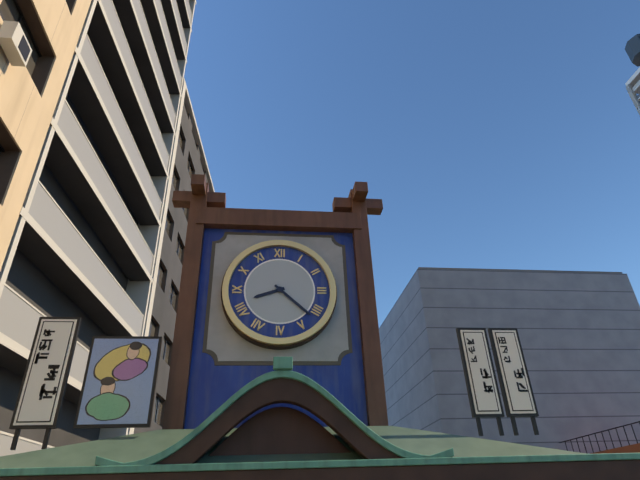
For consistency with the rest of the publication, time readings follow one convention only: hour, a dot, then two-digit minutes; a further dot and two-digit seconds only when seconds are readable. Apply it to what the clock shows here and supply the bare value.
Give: 8.22
